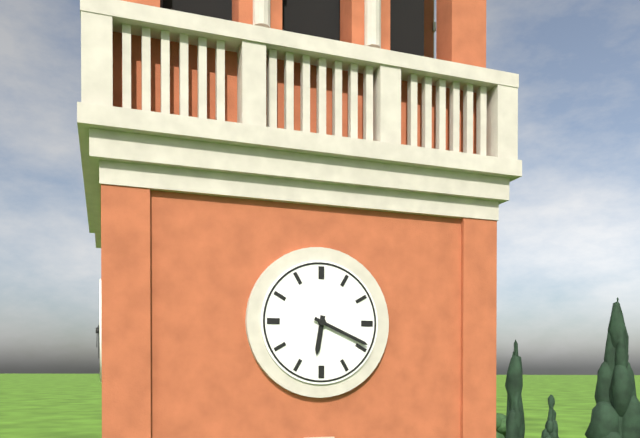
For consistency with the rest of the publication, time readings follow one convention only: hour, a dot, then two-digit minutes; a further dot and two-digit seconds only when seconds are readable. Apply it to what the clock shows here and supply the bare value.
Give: 6.19
